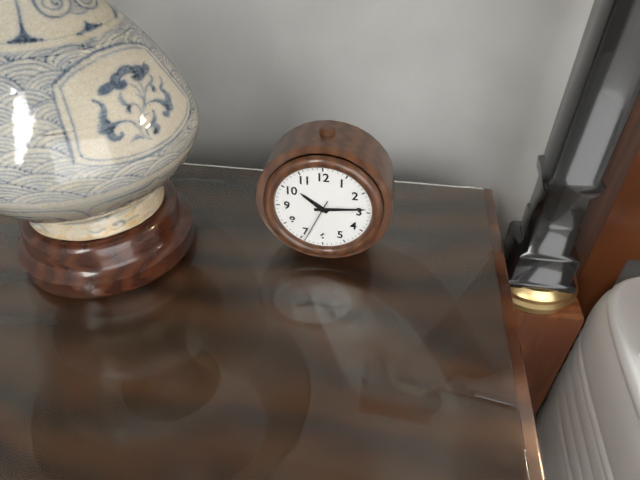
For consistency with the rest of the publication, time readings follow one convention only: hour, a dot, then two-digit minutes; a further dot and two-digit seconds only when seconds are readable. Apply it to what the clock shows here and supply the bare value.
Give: 10.14
